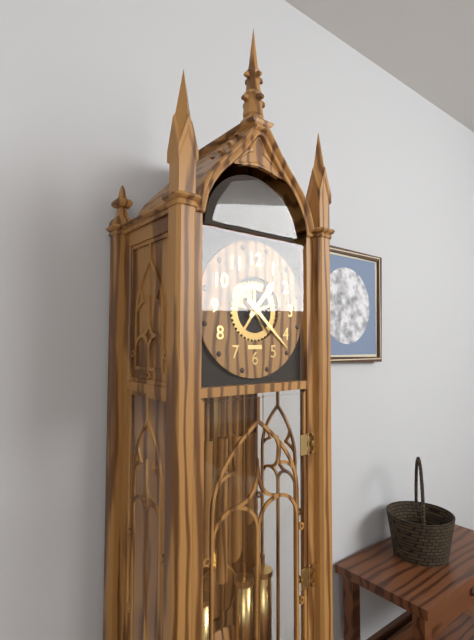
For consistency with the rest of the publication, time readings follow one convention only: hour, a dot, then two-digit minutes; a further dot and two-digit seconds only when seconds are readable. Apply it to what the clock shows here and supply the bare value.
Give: 1.22
